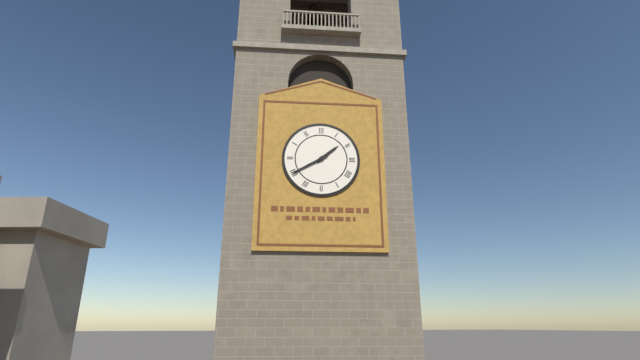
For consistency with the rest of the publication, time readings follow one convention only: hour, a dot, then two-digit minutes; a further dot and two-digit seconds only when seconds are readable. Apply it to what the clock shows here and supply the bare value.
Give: 1.40
